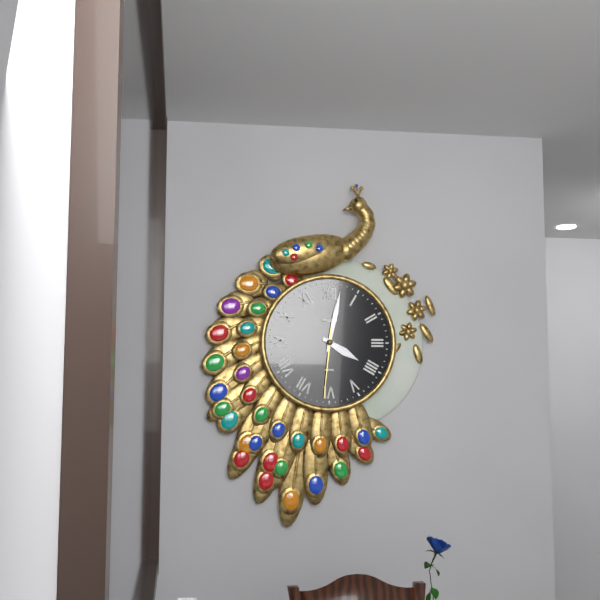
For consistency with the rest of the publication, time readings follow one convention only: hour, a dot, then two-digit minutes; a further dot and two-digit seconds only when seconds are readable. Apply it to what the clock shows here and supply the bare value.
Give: 4.02.31
